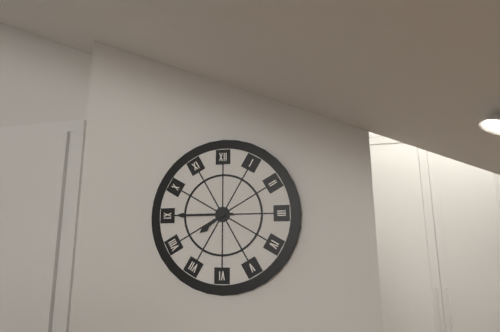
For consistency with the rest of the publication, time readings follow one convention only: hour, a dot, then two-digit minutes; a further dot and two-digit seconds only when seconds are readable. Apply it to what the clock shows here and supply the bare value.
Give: 7.45
